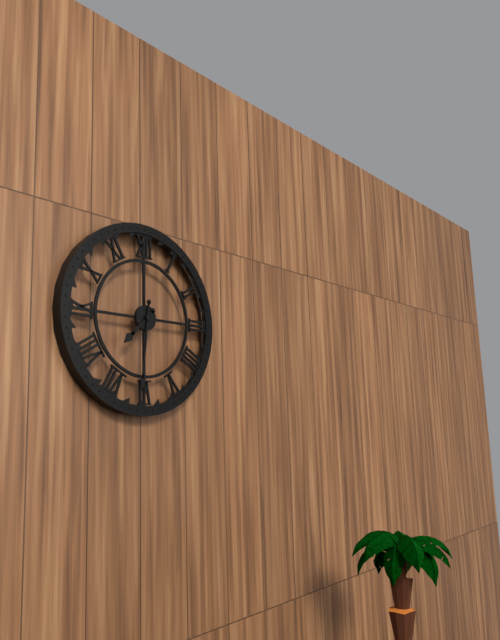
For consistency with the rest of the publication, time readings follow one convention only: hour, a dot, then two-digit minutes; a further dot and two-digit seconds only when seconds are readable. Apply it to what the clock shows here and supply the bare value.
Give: 7.31
